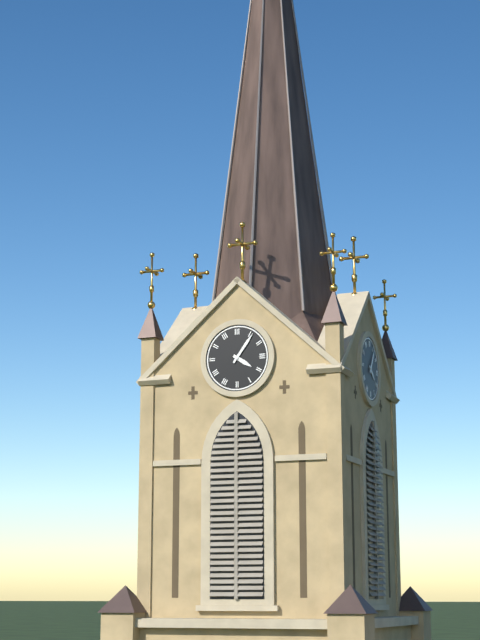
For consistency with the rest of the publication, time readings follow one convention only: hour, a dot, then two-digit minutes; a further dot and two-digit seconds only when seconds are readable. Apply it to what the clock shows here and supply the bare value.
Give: 4.06
